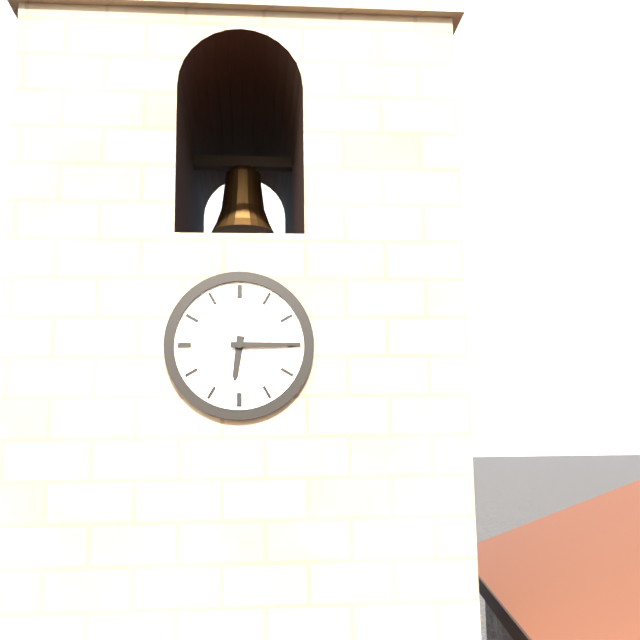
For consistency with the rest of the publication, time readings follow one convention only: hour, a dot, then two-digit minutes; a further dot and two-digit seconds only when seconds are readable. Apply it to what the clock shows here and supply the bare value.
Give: 6.15
